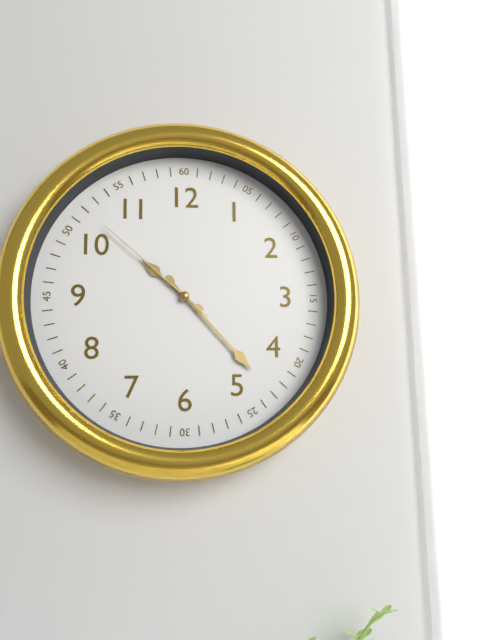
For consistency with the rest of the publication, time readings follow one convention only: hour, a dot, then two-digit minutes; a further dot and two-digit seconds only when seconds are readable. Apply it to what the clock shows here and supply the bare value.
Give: 10.23.52
